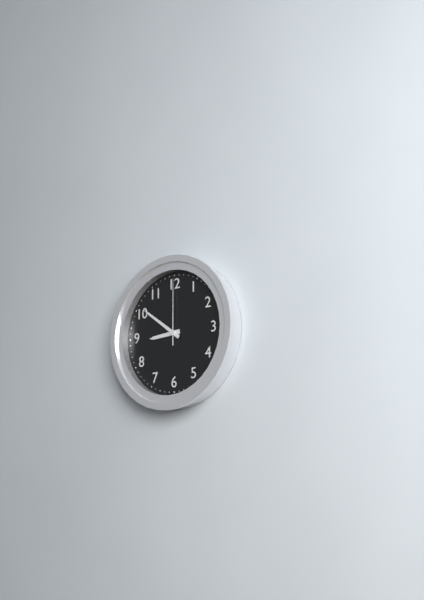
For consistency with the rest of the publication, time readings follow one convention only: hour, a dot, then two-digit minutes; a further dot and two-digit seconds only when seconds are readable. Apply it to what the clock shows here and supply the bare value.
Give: 8.51.00
